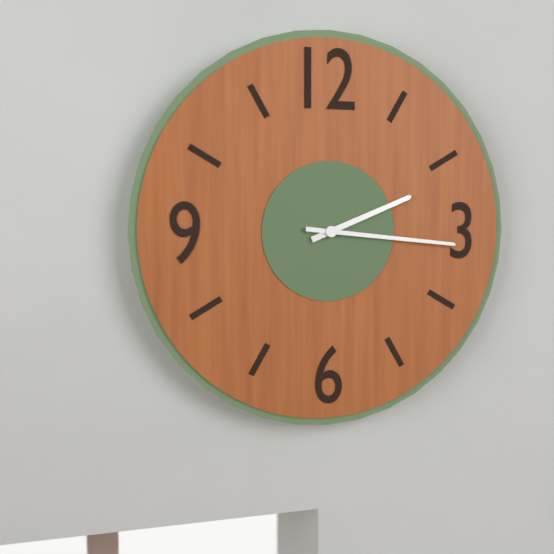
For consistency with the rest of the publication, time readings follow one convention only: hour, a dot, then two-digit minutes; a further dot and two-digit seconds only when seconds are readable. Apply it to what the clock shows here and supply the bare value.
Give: 2.16
